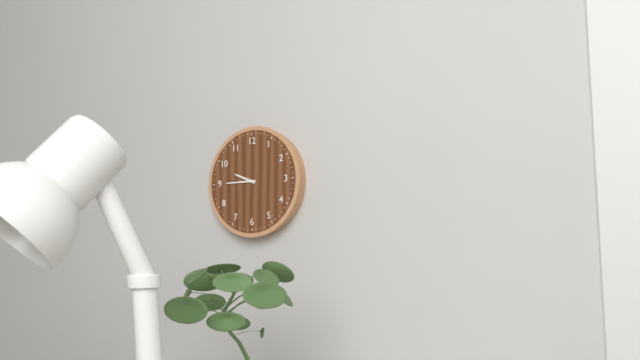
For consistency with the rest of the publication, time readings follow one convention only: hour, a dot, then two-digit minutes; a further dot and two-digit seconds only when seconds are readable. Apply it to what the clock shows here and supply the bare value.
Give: 9.45
